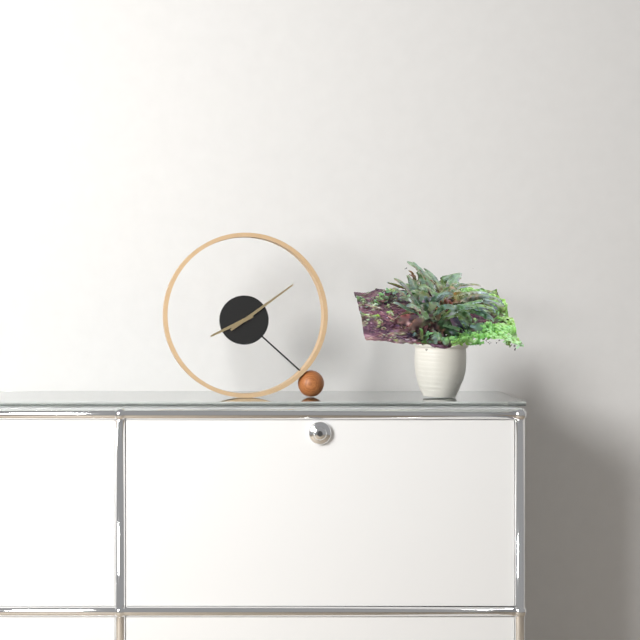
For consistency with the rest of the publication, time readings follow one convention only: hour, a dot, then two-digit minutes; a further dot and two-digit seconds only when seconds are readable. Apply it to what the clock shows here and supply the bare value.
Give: 8.09
